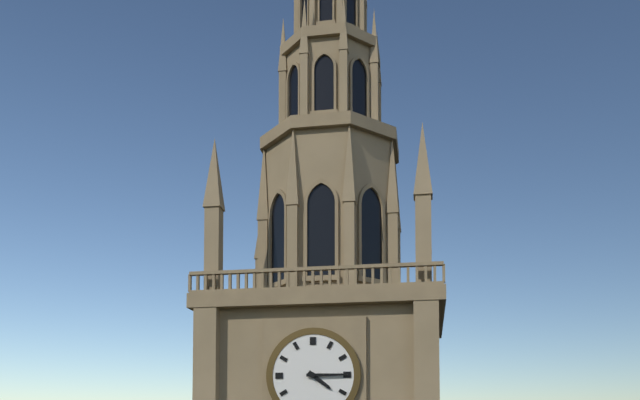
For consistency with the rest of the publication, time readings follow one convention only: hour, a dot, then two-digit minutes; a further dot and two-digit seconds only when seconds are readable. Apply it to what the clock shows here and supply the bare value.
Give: 4.15
